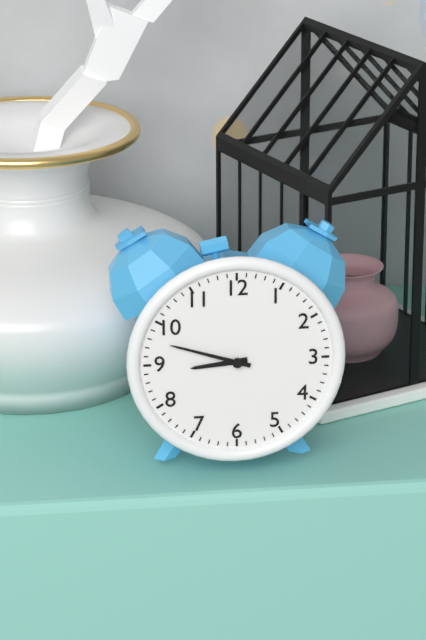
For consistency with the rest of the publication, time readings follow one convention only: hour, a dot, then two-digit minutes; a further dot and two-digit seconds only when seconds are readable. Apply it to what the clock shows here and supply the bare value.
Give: 8.48
